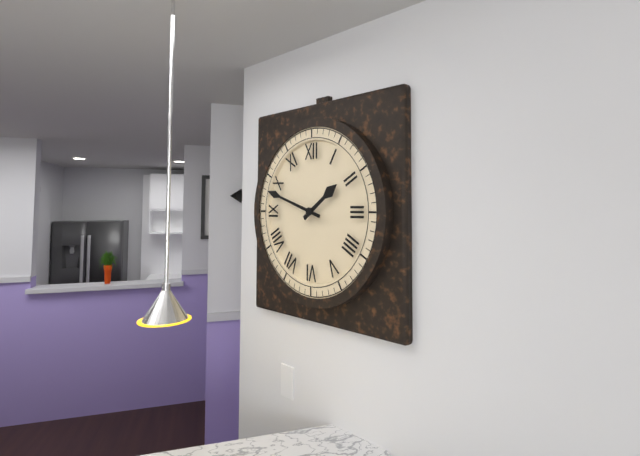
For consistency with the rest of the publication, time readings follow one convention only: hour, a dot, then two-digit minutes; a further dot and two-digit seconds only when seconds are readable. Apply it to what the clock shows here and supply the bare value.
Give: 1.48
